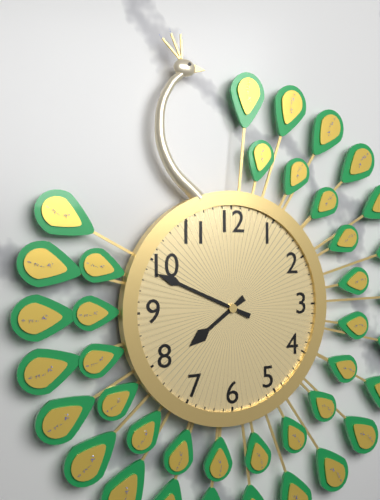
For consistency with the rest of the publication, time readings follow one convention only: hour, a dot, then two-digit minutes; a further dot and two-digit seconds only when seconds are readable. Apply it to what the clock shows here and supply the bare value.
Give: 7.49
